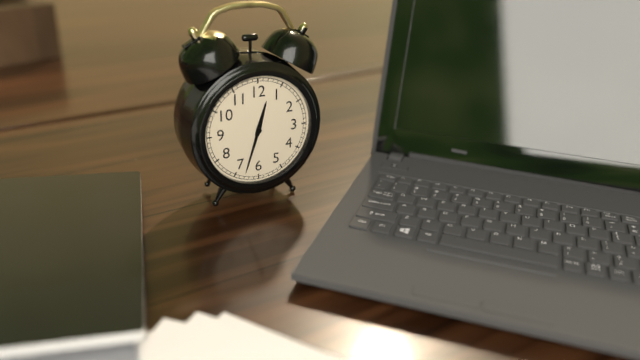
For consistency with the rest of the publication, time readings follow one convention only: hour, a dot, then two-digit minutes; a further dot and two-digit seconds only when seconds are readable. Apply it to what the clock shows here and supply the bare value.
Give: 12.33
